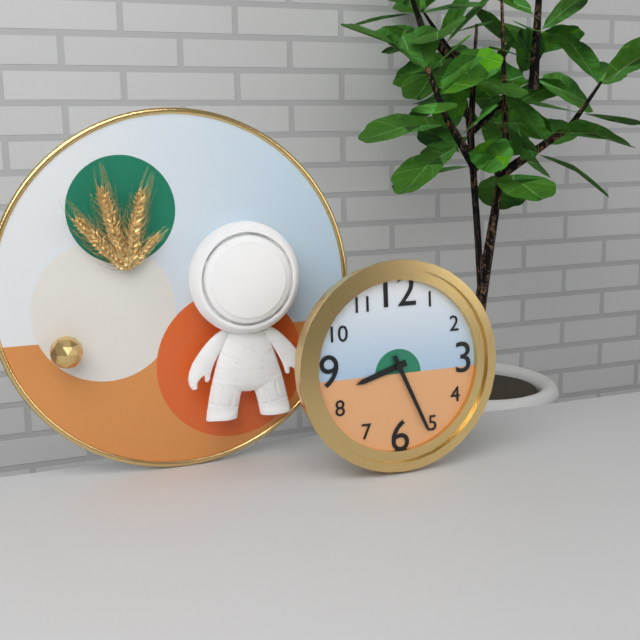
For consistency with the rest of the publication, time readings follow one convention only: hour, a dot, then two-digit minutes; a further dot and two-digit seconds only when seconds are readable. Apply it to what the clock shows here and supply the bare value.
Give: 8.26
